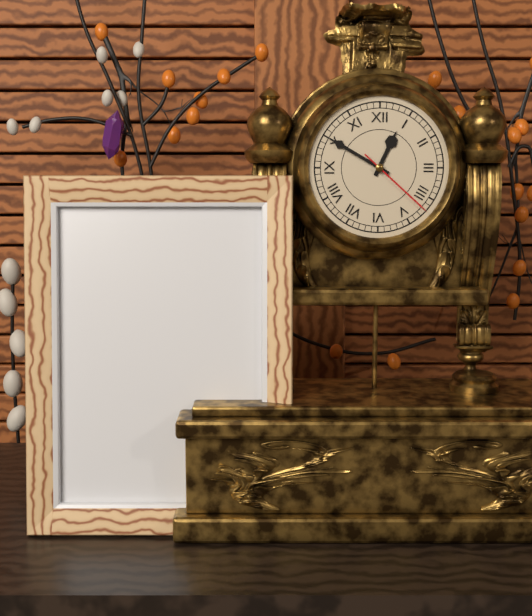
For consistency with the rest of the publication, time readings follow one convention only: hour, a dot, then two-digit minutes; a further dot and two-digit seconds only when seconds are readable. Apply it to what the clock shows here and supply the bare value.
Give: 12.50.22
